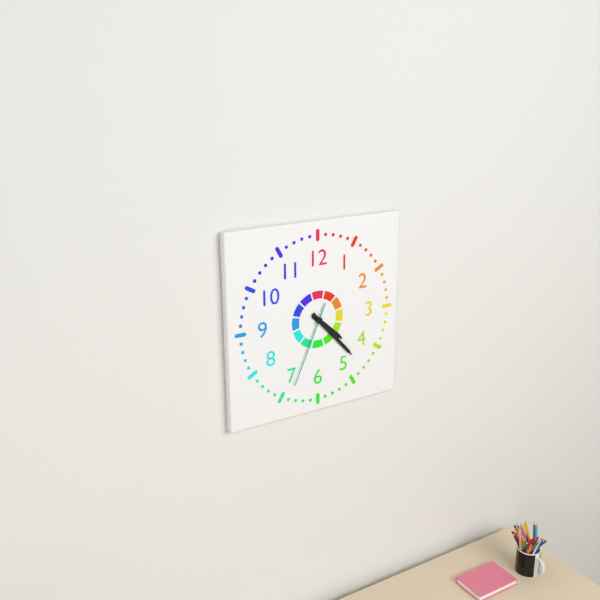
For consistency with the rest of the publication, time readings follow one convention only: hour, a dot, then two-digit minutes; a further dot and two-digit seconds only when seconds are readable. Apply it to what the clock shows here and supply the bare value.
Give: 4.23.34
